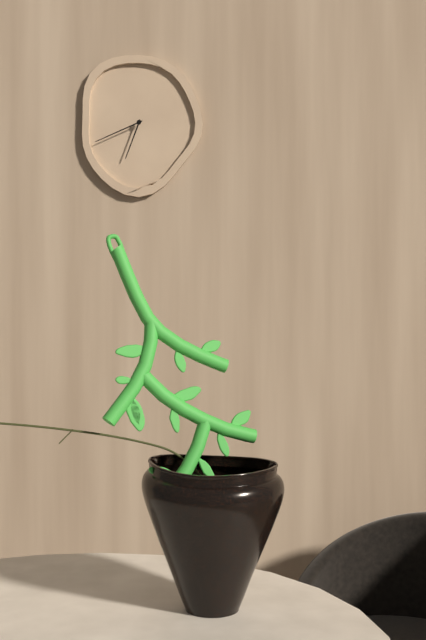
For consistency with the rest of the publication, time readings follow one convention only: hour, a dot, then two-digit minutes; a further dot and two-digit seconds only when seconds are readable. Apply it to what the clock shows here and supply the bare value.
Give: 6.41
